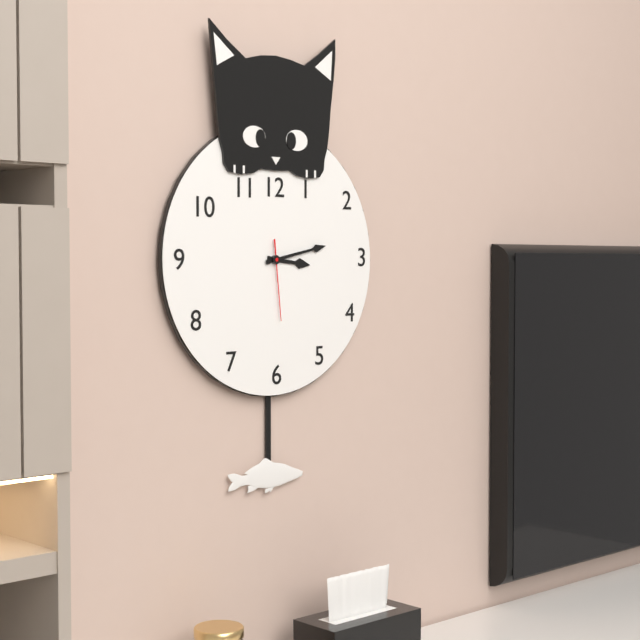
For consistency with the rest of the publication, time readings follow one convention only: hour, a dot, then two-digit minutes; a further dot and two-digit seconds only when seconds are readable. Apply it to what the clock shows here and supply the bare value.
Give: 3.13.29
